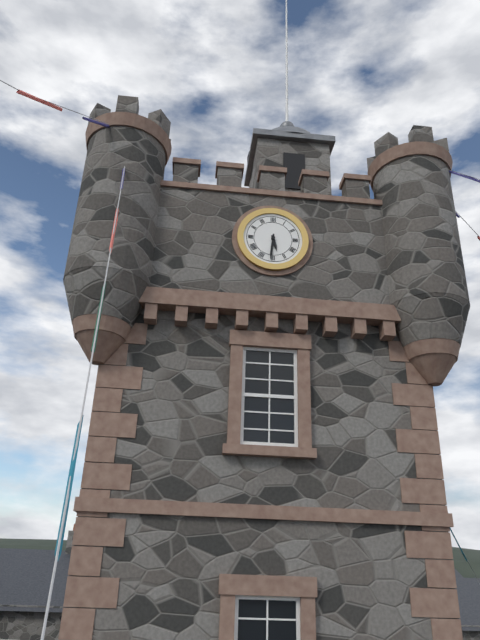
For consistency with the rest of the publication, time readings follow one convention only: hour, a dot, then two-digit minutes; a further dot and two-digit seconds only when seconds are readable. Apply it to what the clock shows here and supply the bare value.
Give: 5.31
